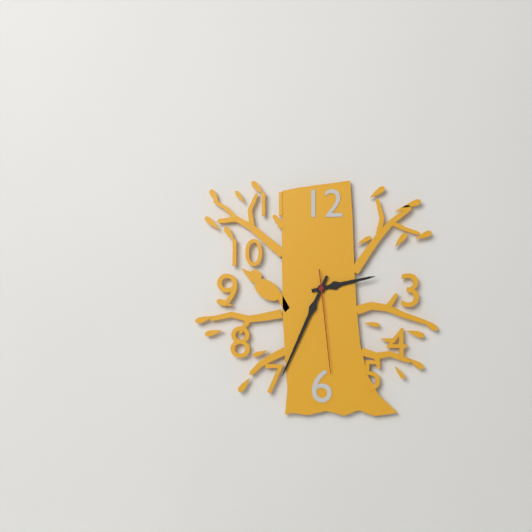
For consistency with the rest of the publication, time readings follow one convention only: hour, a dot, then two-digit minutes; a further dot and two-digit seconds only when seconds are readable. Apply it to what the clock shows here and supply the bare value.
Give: 2.34.29
